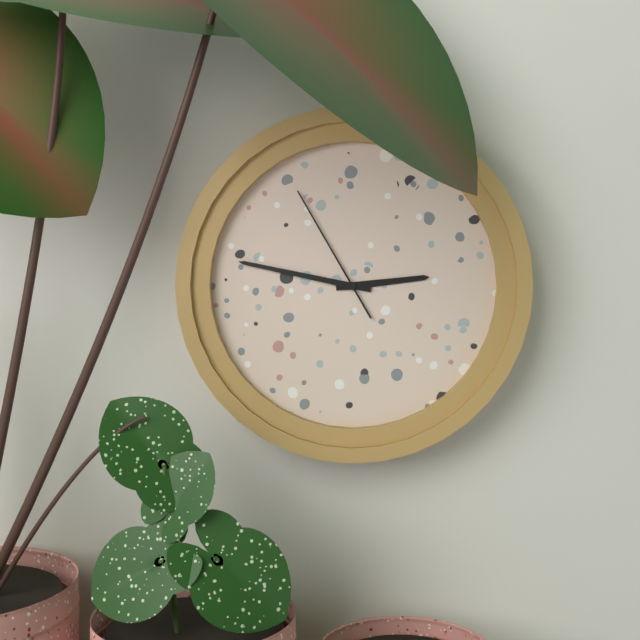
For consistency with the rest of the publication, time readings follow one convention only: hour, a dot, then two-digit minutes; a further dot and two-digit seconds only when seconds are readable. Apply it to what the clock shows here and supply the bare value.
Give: 2.47.55
